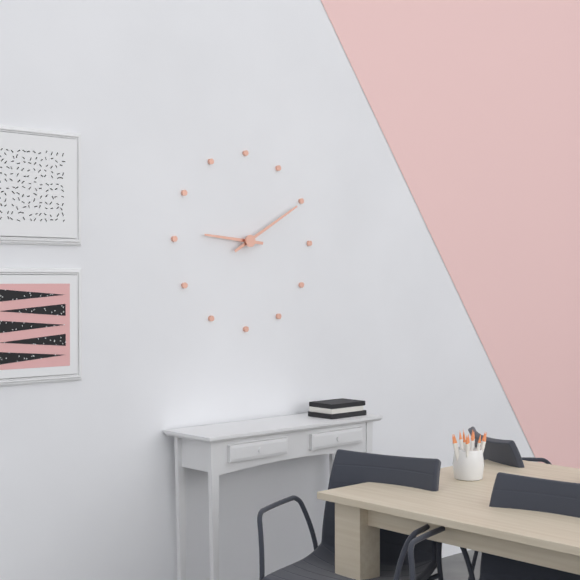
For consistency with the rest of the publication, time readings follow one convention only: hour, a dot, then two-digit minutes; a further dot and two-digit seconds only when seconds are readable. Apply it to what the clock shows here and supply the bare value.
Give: 9.10
